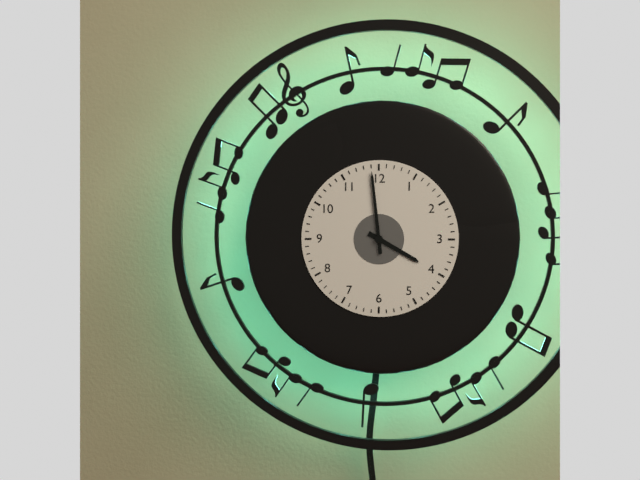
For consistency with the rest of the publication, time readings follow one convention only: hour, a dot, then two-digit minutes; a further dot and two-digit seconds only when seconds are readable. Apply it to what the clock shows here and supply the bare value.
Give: 3.59
